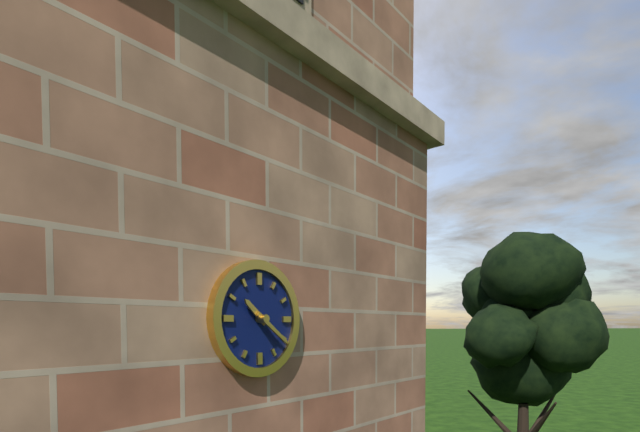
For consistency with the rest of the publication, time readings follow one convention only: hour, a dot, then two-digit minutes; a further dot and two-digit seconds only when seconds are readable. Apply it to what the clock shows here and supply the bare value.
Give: 10.21
